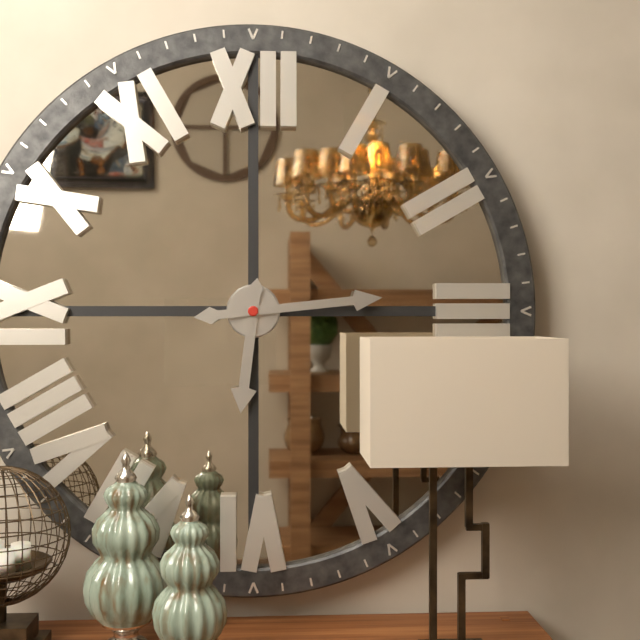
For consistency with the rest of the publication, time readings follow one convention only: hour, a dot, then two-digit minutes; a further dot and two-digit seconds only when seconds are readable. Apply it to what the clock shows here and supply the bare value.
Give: 6.14
